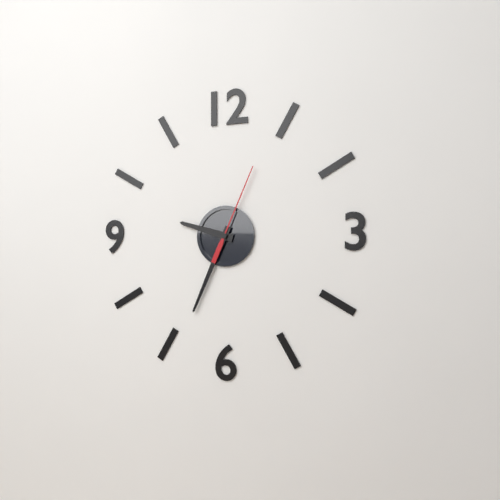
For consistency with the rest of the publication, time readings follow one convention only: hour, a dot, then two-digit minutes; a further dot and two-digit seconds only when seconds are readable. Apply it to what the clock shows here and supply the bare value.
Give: 9.34.04
